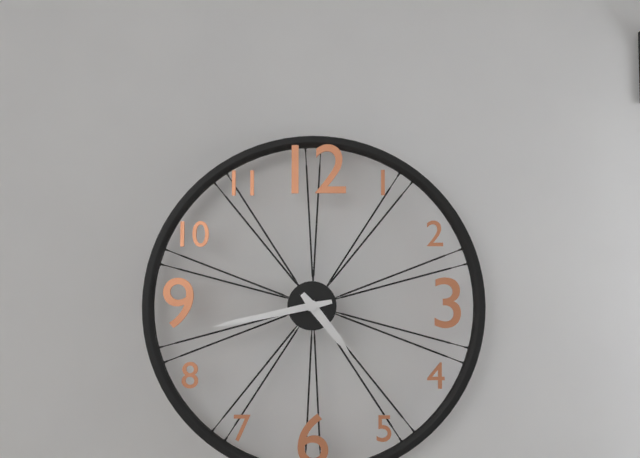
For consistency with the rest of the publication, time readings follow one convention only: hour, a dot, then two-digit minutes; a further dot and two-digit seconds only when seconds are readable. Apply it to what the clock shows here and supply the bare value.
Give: 4.43
